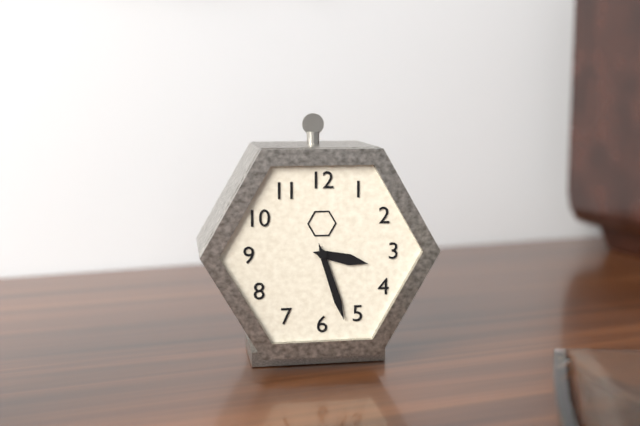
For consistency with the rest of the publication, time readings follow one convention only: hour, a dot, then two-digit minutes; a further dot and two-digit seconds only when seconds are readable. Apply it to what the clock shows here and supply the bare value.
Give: 3.27
